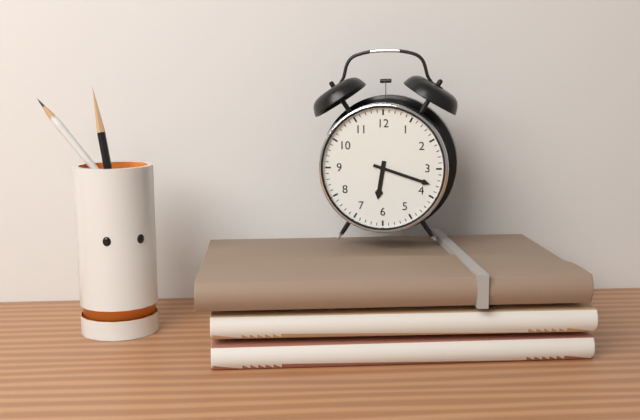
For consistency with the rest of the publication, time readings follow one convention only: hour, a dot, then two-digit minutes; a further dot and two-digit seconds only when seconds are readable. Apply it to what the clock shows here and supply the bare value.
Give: 6.18
